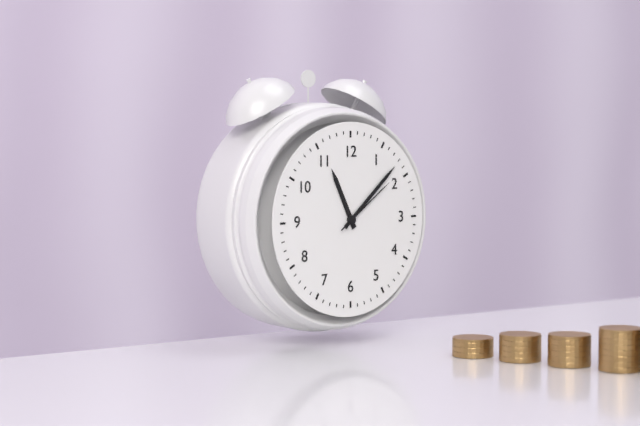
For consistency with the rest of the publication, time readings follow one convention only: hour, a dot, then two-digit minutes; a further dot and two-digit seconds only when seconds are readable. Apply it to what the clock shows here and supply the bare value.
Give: 11.08.09
